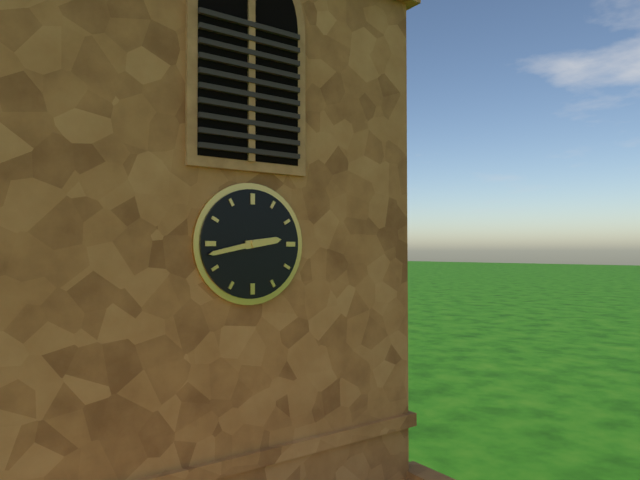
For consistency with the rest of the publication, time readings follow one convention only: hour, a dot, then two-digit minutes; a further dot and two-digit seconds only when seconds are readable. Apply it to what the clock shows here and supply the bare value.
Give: 2.43
